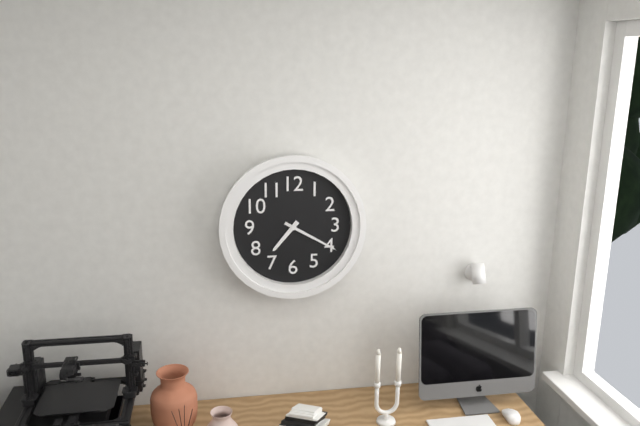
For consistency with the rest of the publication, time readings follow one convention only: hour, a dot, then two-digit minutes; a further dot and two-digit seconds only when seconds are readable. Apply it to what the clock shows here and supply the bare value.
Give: 7.20
